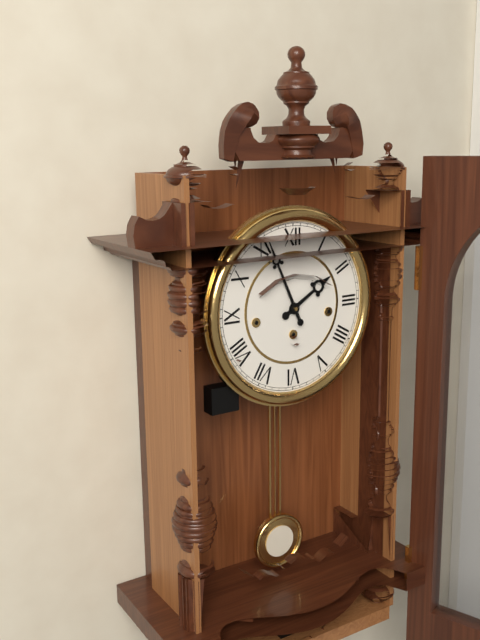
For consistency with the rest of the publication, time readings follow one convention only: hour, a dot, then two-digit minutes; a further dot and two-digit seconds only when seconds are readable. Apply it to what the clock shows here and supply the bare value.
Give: 1.56
